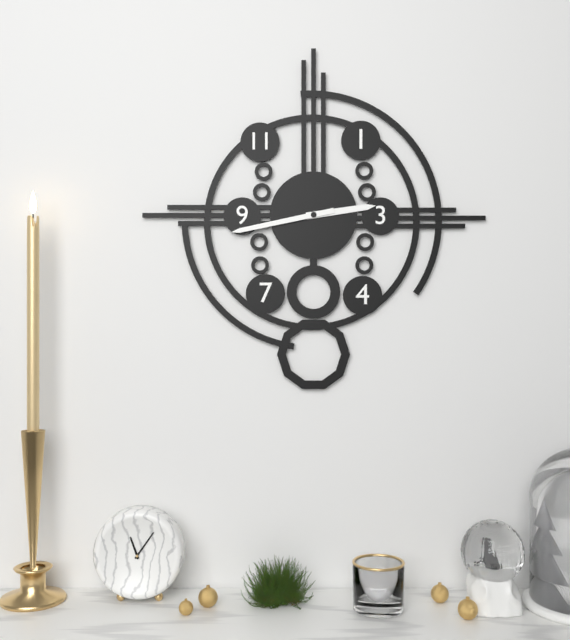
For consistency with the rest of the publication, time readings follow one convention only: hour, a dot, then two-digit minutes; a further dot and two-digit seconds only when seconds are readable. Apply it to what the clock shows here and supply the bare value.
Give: 2.43
